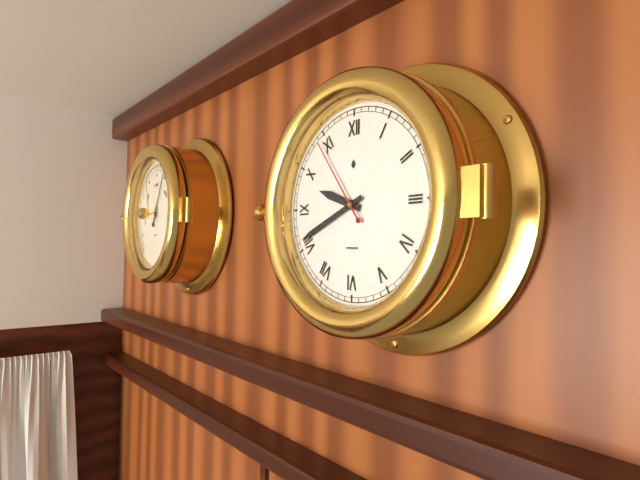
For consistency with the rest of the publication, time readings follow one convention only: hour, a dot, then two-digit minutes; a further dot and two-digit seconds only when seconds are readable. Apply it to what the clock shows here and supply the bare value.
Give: 9.41.54
